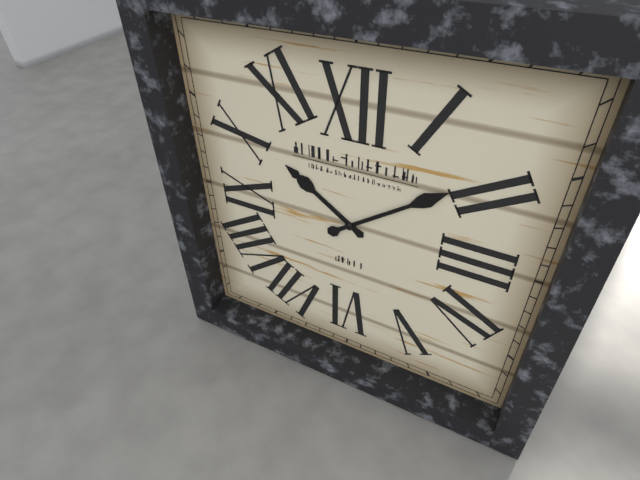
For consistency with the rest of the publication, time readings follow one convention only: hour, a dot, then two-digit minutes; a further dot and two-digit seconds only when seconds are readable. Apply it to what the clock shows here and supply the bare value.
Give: 10.09
